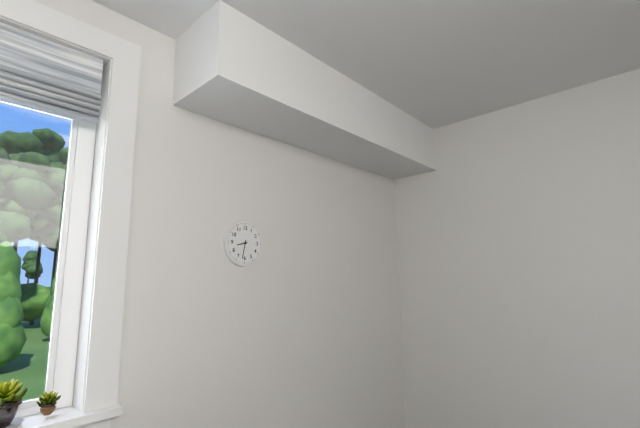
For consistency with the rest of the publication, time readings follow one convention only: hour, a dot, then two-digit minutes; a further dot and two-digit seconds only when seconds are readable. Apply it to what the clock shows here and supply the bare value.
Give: 8.32
